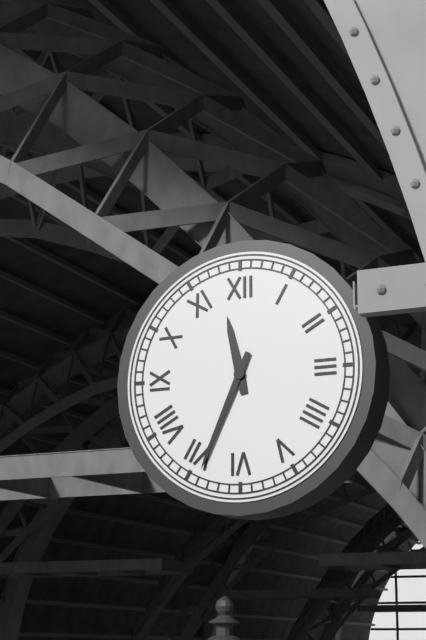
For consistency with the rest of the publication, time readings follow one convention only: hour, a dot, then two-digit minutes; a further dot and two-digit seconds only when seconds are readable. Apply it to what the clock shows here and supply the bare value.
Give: 11.34
